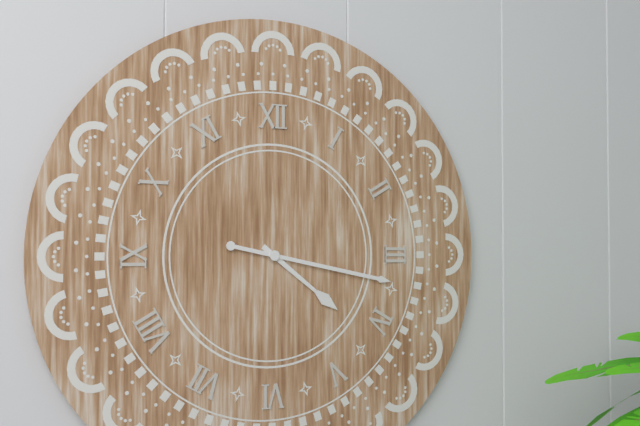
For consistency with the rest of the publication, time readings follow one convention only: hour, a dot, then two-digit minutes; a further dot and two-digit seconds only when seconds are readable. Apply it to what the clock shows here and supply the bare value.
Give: 4.17
